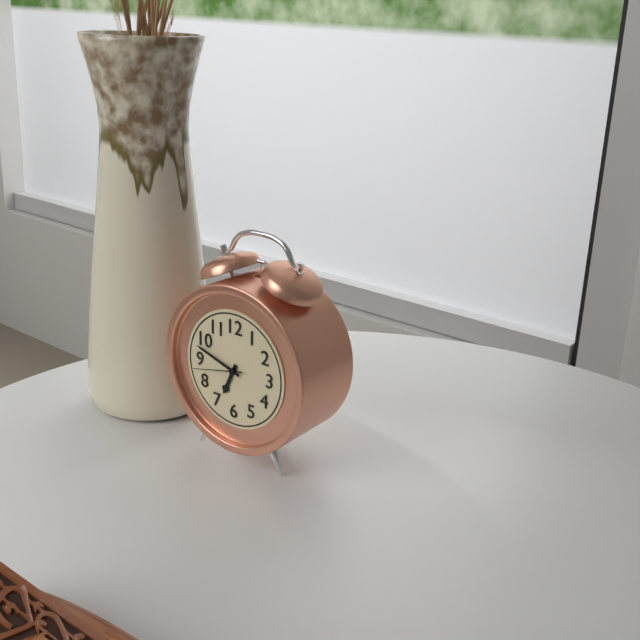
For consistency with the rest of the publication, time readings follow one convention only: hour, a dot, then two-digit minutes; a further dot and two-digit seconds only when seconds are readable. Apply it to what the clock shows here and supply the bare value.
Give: 6.48.43
